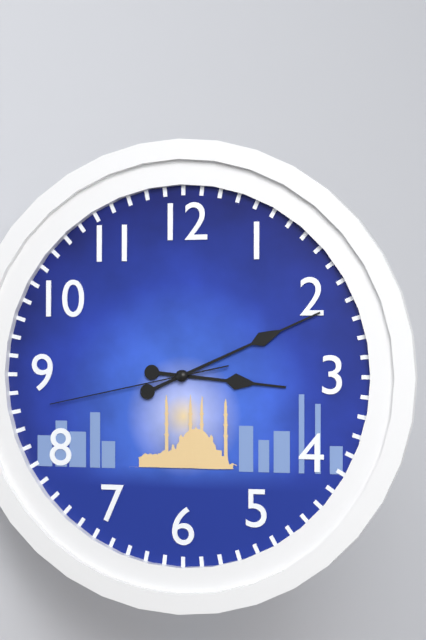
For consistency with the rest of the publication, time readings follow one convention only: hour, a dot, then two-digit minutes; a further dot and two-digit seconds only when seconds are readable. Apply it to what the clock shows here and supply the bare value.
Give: 3.11.43
